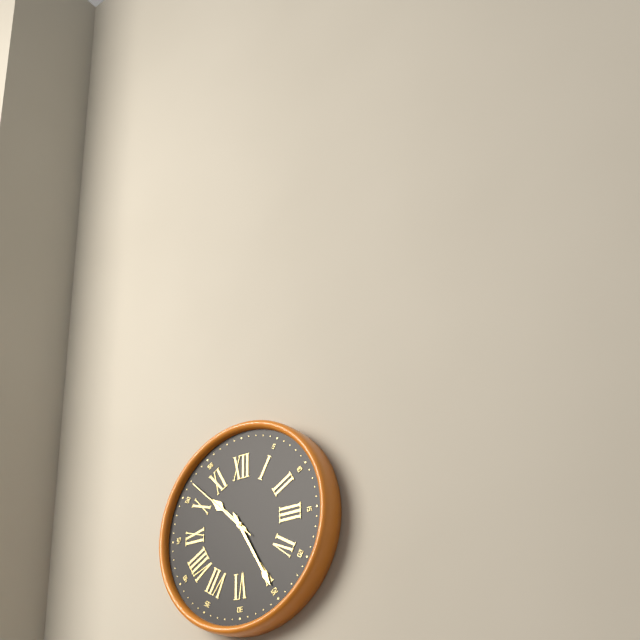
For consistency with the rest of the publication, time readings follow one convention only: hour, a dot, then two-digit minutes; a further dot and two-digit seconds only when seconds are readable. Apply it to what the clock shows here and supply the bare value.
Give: 10.25.52
